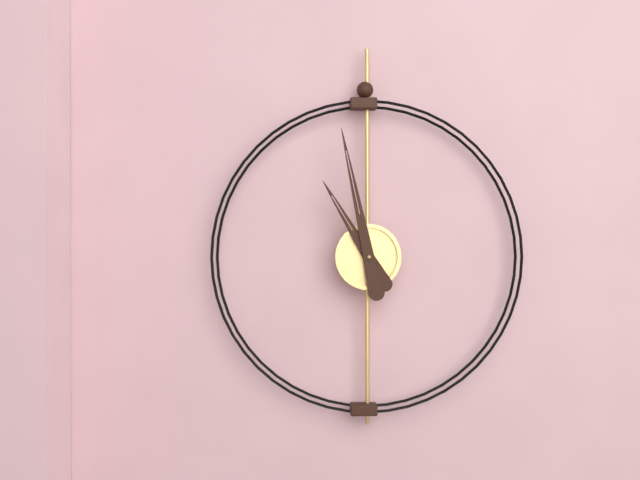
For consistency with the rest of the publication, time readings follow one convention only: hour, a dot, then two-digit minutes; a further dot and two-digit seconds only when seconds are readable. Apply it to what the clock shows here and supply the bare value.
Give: 10.58
